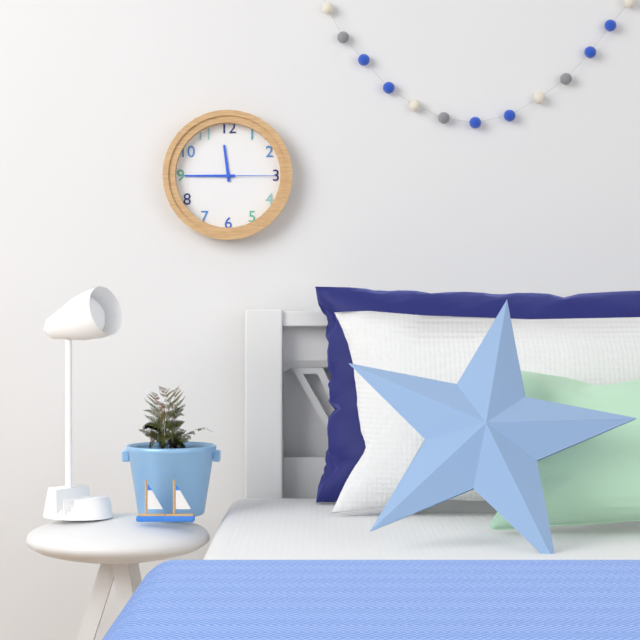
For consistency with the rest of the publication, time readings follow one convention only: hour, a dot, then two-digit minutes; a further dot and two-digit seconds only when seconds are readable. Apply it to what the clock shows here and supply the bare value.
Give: 11.45.15
